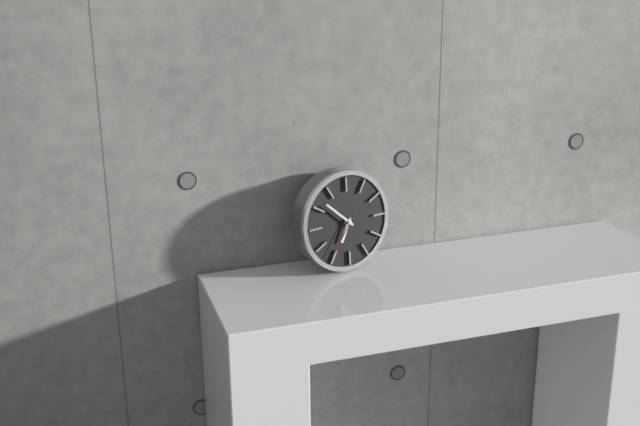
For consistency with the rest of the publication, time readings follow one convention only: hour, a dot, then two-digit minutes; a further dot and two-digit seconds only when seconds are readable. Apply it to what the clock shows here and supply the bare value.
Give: 6.52
